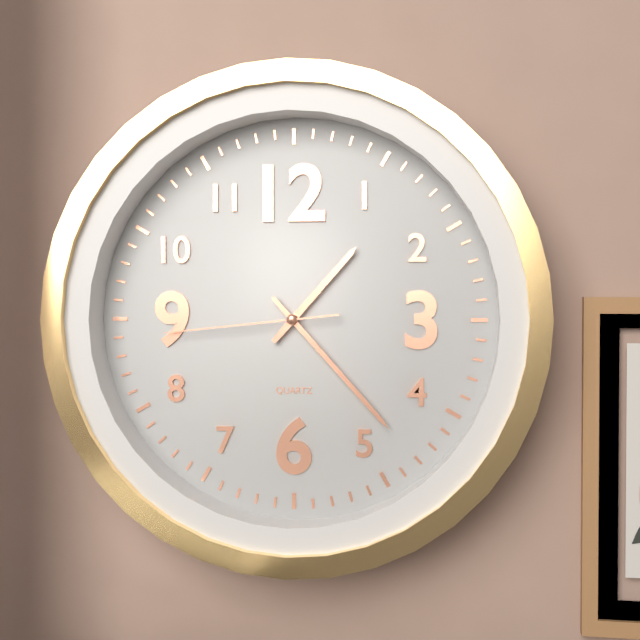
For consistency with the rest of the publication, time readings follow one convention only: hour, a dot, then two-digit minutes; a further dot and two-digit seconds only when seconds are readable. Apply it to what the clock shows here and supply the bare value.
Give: 1.23.44
